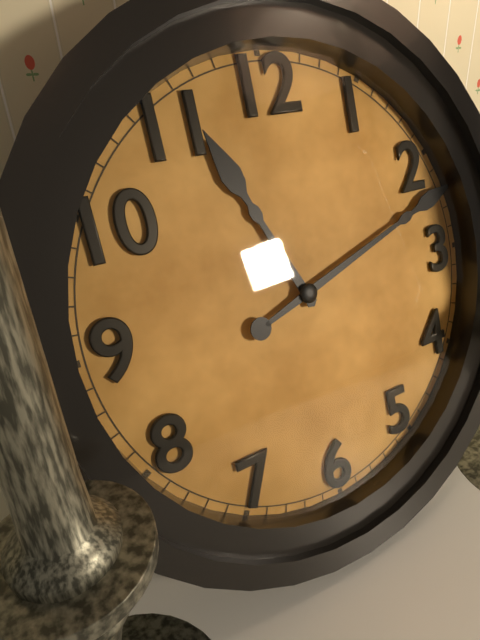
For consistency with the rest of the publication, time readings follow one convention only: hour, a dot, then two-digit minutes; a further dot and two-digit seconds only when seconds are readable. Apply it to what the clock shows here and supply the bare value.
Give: 11.12
